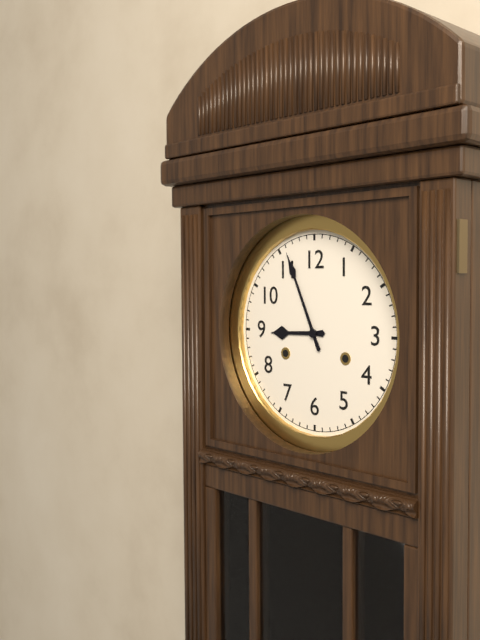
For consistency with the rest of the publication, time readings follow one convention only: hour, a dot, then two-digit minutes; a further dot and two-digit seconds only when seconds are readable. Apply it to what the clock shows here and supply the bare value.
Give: 8.56
